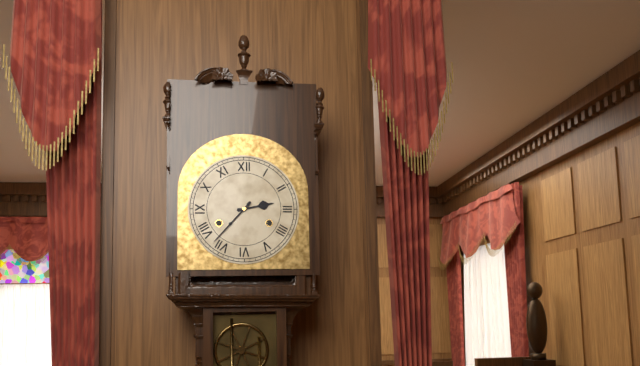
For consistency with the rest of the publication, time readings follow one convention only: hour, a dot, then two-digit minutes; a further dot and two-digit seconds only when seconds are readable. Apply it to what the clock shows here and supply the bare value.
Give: 2.37
